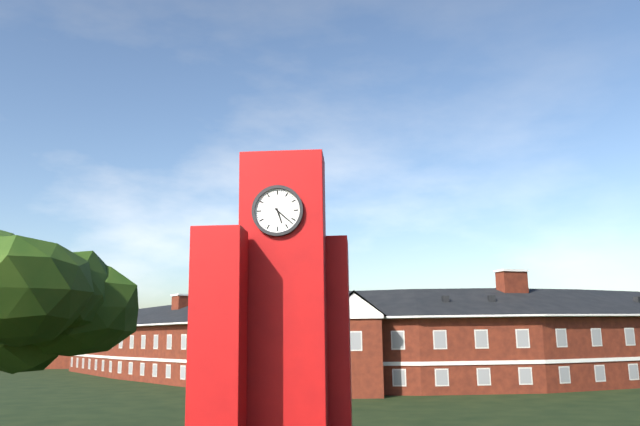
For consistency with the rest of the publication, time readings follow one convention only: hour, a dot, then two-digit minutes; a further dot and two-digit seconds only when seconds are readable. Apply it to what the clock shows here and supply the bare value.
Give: 5.22
